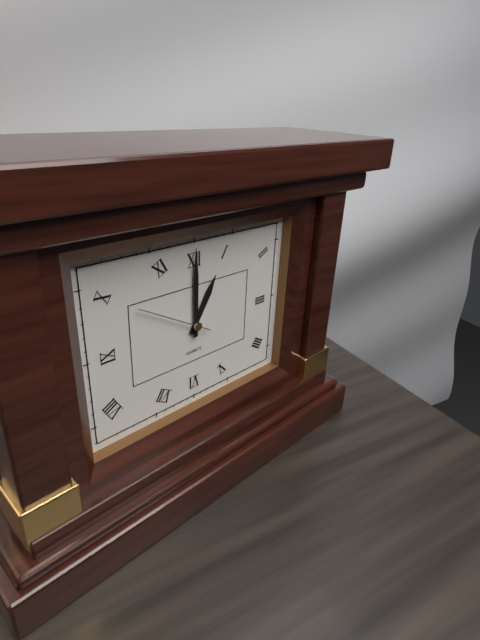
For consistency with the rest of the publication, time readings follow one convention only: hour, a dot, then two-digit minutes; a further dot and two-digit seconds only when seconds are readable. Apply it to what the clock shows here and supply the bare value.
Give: 1.00.50
